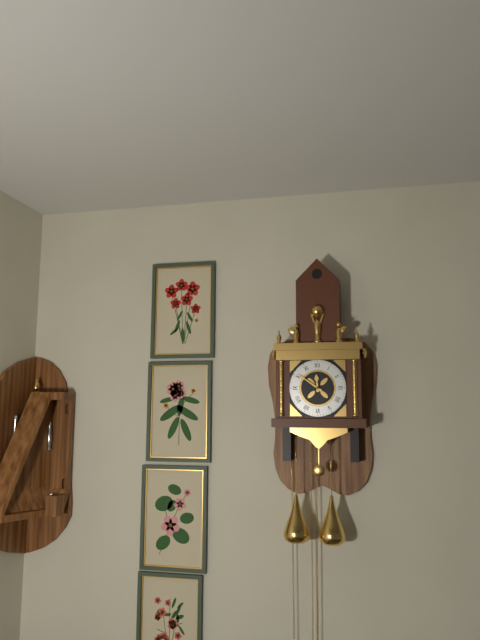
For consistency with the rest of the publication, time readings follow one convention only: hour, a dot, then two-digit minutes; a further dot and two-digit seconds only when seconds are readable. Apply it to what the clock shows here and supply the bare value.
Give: 11.51
